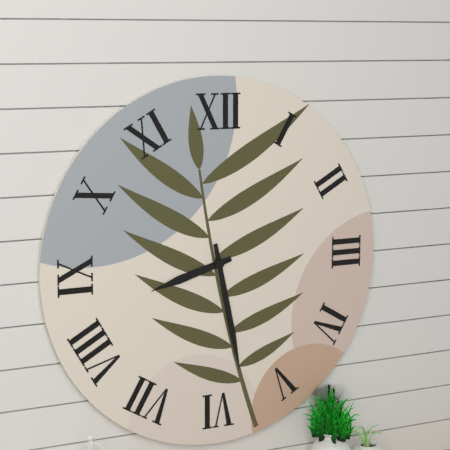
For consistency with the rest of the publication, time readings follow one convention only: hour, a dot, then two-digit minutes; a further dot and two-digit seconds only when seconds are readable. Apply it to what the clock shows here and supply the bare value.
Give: 8.28
